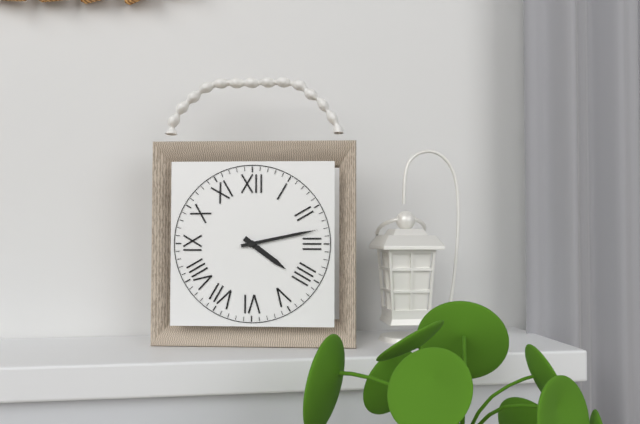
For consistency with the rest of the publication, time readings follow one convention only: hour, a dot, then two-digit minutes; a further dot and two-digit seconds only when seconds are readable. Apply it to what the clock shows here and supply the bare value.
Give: 4.13
